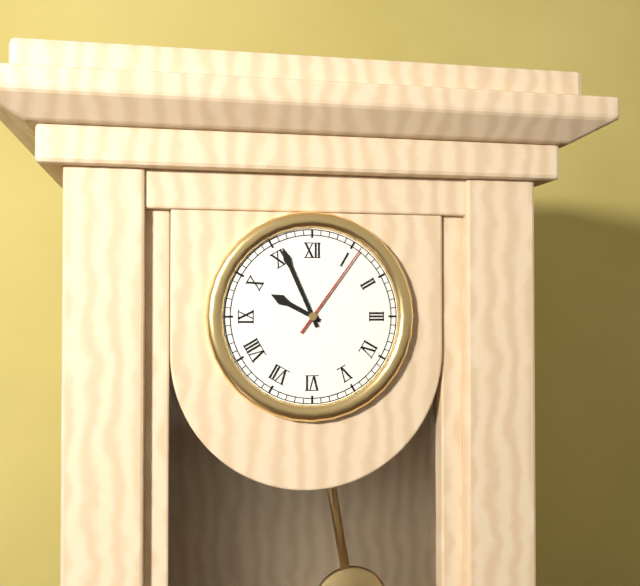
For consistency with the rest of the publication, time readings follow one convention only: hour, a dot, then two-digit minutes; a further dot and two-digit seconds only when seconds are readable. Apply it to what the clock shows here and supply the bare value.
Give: 9.56.06
